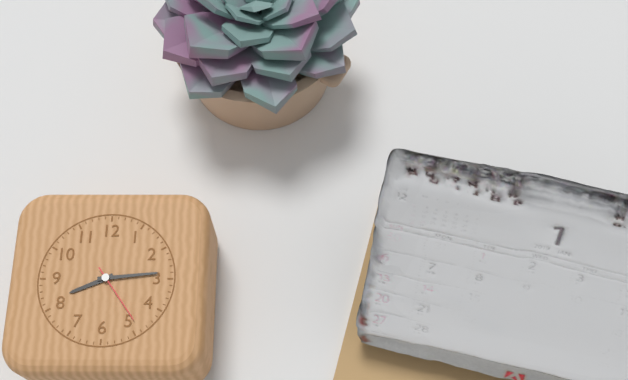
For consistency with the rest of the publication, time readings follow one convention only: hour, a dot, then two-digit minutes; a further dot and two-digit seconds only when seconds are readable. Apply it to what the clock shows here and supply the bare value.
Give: 8.14.24
